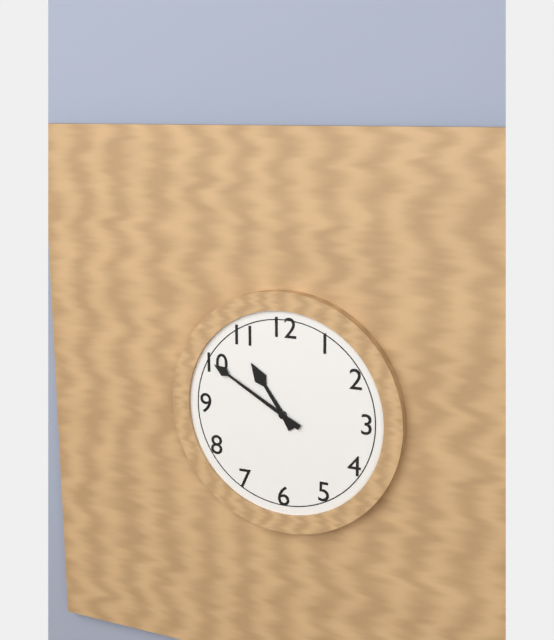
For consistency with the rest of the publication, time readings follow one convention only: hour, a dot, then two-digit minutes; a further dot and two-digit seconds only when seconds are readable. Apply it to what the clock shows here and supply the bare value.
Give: 10.50
